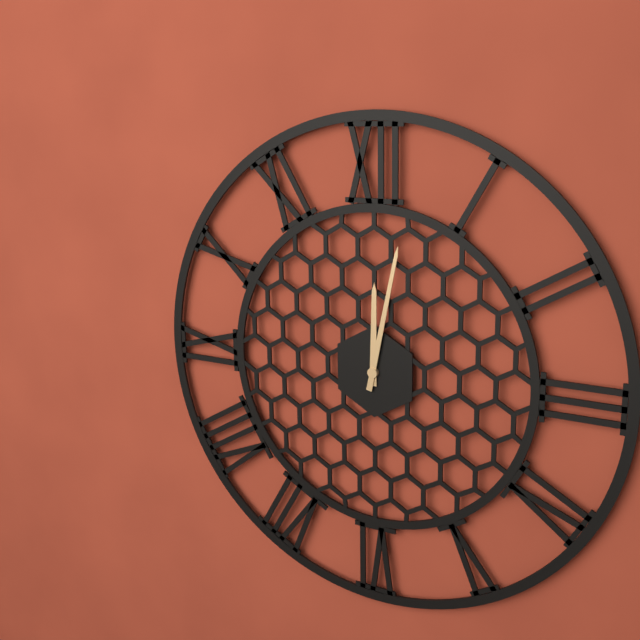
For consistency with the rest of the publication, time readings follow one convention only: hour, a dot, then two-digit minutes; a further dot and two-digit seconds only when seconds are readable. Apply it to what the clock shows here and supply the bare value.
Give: 12.02
